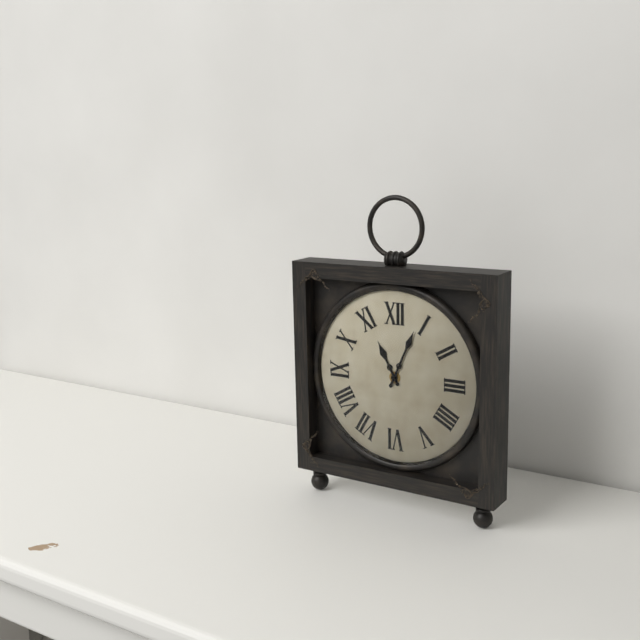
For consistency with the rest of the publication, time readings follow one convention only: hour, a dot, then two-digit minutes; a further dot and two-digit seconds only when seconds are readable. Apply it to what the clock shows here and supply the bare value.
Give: 11.04
